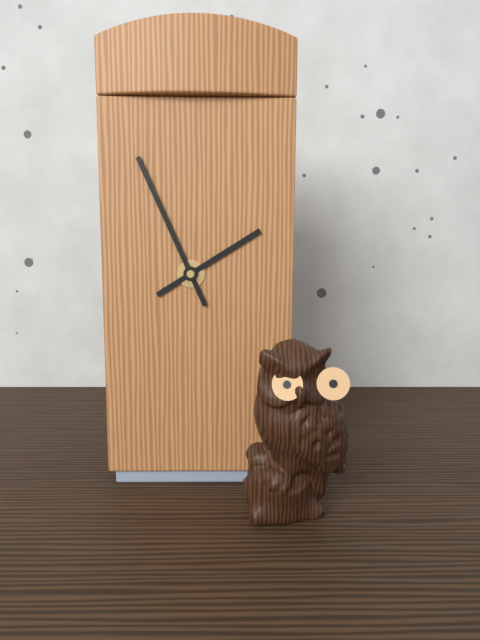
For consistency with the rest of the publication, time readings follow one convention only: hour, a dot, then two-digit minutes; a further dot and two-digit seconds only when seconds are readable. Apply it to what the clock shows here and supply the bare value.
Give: 1.56
